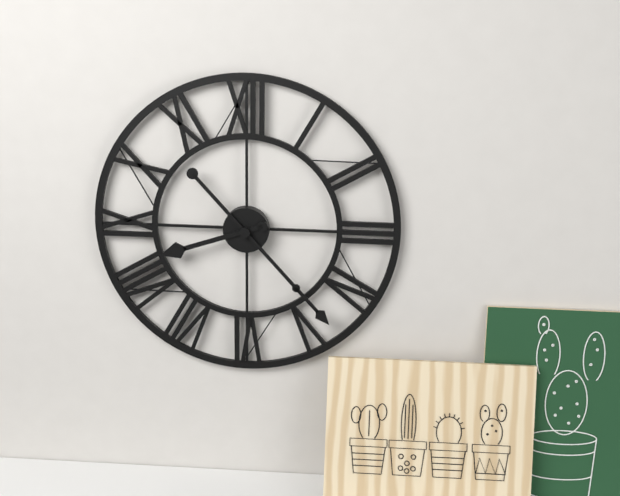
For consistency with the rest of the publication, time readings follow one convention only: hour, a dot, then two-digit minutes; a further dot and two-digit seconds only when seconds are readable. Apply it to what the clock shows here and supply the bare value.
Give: 8.23
